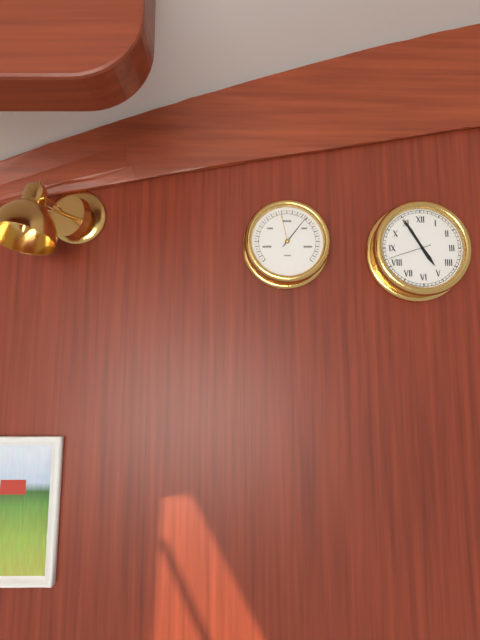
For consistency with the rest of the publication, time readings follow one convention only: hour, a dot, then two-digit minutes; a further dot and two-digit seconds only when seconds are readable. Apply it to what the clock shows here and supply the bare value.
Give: 4.55
